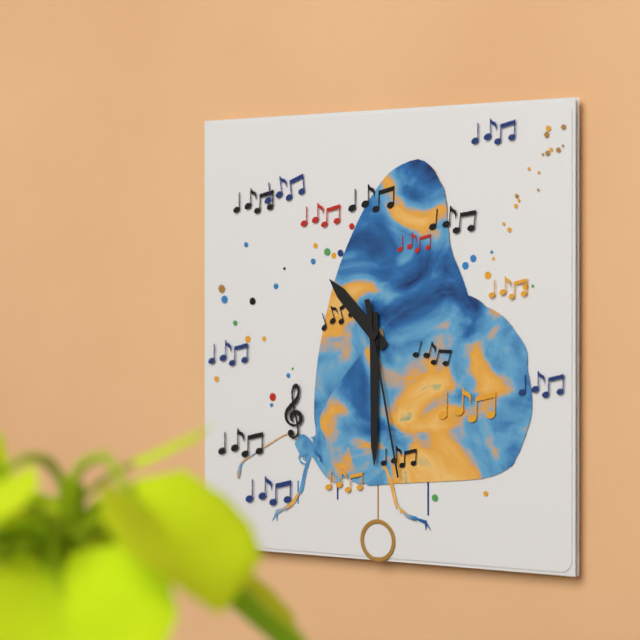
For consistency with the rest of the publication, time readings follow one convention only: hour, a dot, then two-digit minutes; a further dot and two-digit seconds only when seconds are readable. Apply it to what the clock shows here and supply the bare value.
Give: 10.30.28
